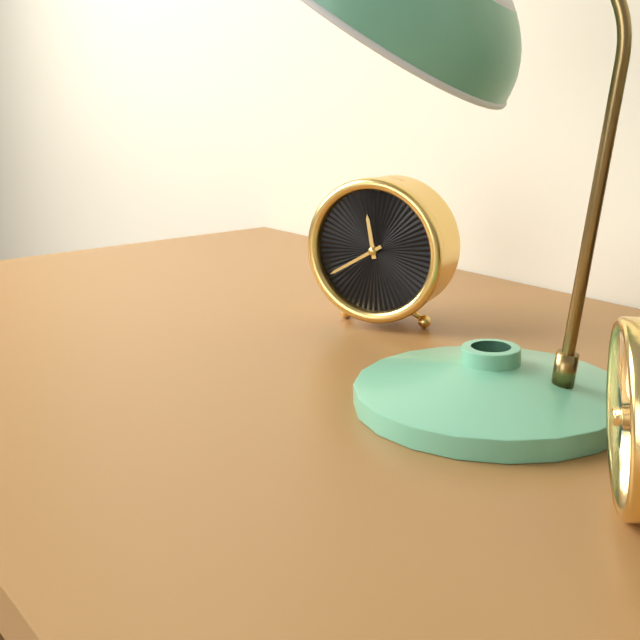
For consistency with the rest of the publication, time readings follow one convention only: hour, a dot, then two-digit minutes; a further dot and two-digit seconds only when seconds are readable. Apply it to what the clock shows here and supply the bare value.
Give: 11.40
